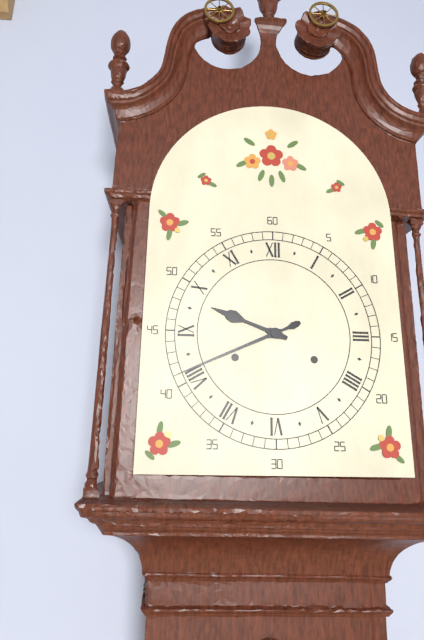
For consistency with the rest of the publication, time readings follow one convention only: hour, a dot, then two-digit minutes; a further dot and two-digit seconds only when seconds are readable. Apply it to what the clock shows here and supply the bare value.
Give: 9.41
